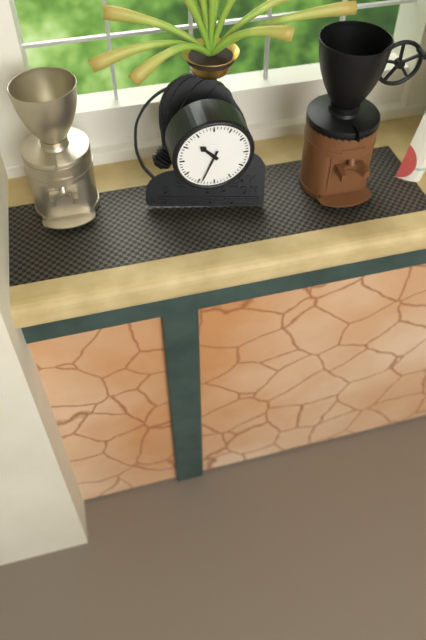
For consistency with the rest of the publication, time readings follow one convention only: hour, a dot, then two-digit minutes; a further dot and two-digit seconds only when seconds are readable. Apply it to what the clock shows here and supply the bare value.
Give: 10.34
